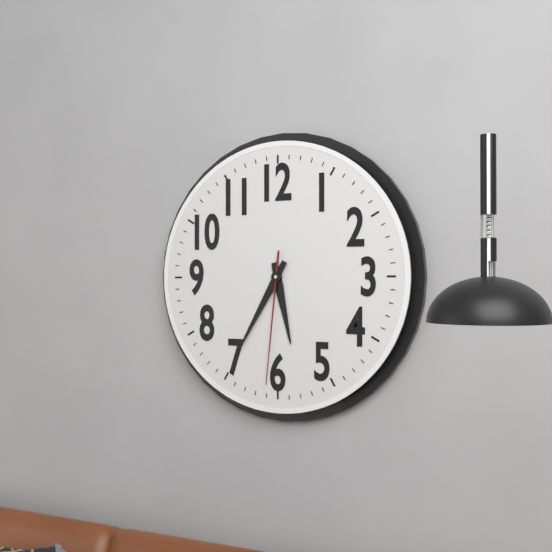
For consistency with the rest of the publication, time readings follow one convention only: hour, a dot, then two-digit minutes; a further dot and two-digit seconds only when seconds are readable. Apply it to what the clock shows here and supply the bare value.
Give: 5.35.31
